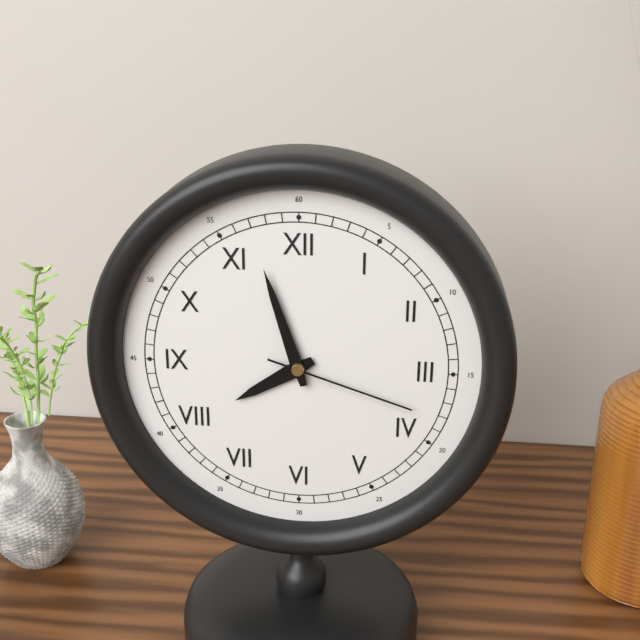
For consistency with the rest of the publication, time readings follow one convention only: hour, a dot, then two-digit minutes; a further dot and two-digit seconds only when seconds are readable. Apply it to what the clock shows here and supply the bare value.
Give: 7.57.18
